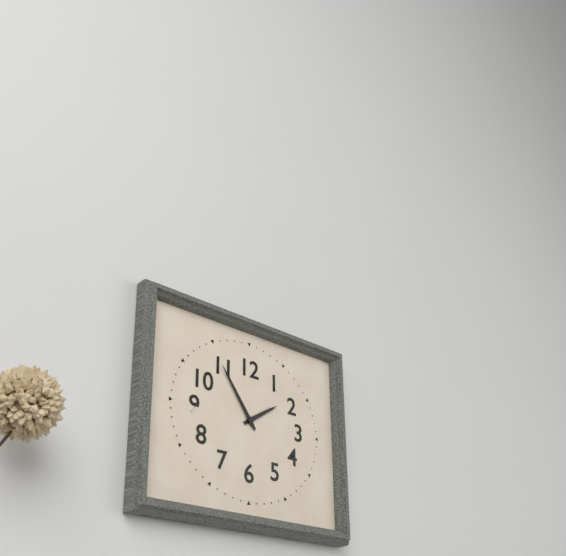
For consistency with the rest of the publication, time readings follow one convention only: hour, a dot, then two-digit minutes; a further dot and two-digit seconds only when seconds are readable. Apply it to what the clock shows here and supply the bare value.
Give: 1.54
